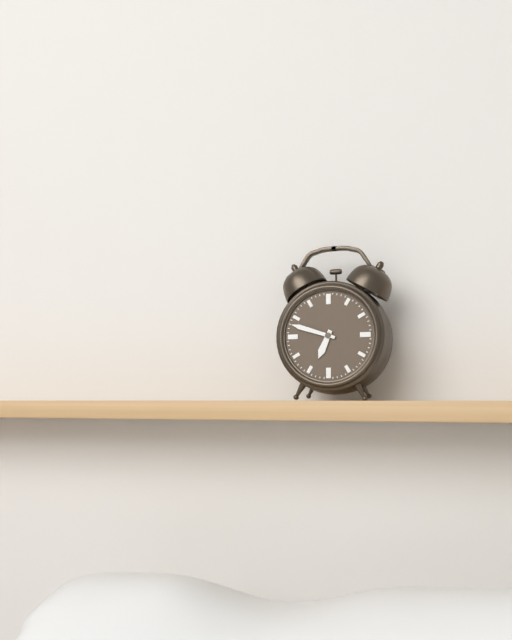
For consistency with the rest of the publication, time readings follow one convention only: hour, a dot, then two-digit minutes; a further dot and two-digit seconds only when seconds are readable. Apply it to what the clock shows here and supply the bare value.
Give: 6.48
